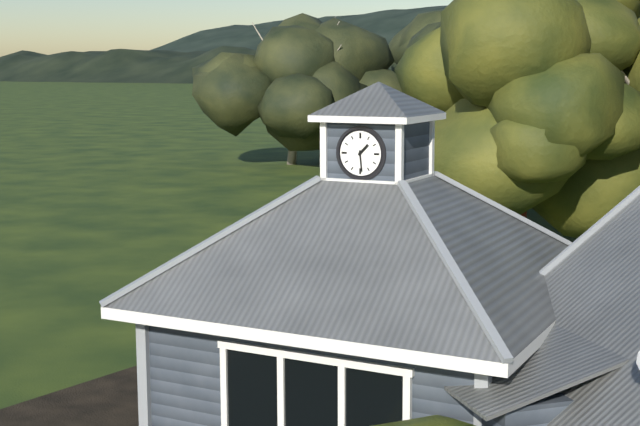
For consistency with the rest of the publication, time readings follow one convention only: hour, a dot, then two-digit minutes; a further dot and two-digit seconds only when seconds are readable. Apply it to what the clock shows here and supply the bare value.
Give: 1.29
